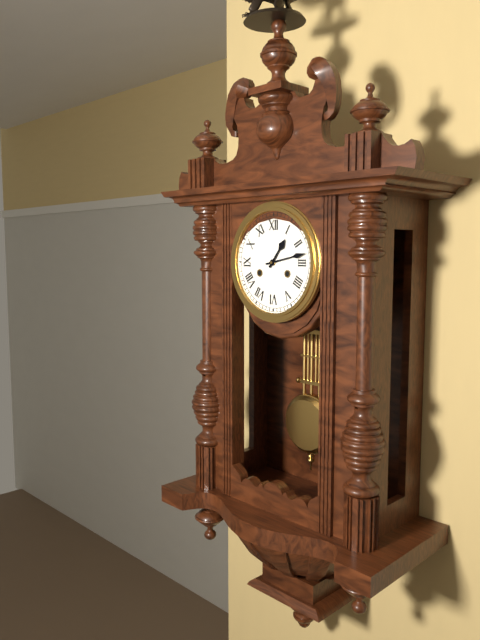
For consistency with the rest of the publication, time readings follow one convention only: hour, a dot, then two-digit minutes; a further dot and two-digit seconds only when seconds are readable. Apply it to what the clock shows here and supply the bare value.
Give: 1.13
